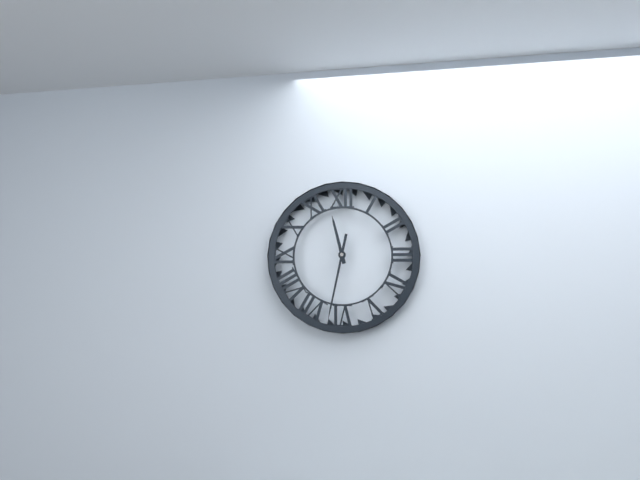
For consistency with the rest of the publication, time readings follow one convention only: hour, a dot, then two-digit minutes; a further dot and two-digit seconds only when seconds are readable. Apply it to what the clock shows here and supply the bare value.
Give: 11.32
